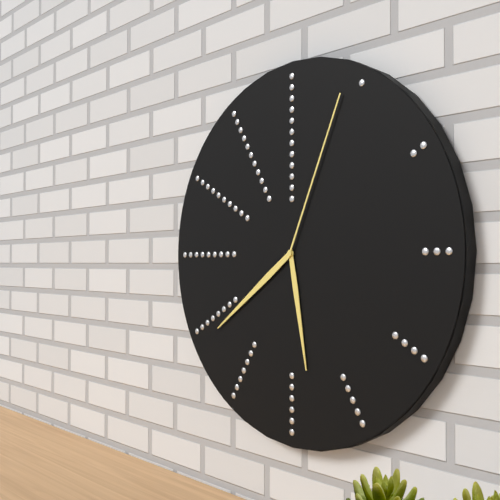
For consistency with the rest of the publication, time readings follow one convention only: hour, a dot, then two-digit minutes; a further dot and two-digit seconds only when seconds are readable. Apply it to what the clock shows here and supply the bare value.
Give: 5.39.04
